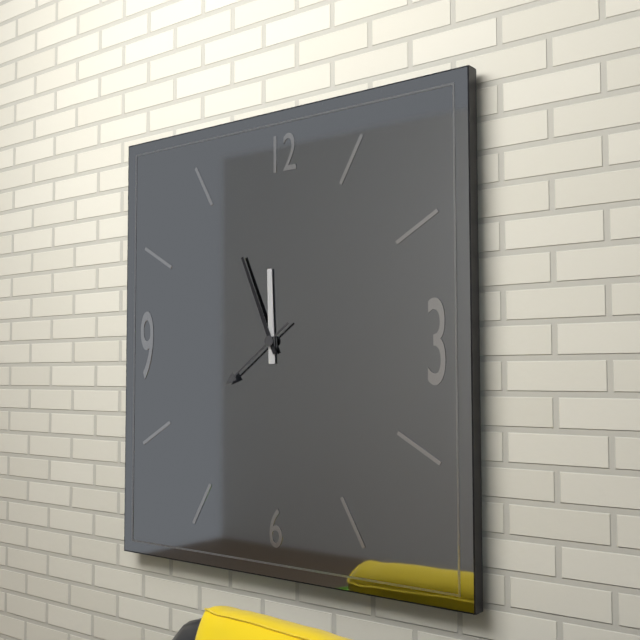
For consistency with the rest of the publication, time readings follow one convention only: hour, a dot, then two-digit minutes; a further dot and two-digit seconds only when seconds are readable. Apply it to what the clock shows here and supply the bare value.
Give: 11.56.39
